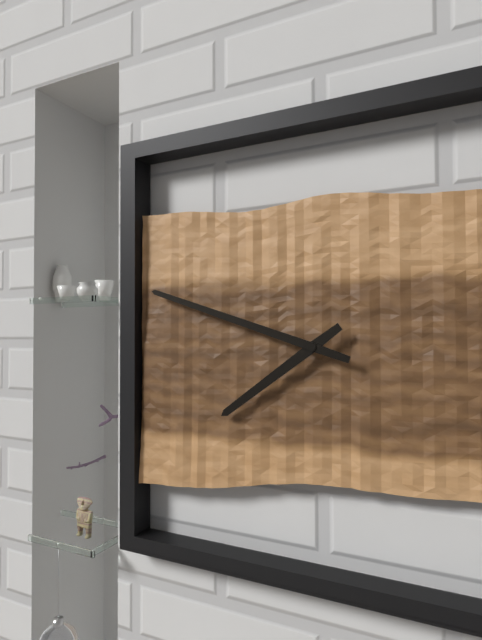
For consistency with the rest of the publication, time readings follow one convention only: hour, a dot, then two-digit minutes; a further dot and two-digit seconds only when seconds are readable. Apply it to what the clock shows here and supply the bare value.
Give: 7.48
